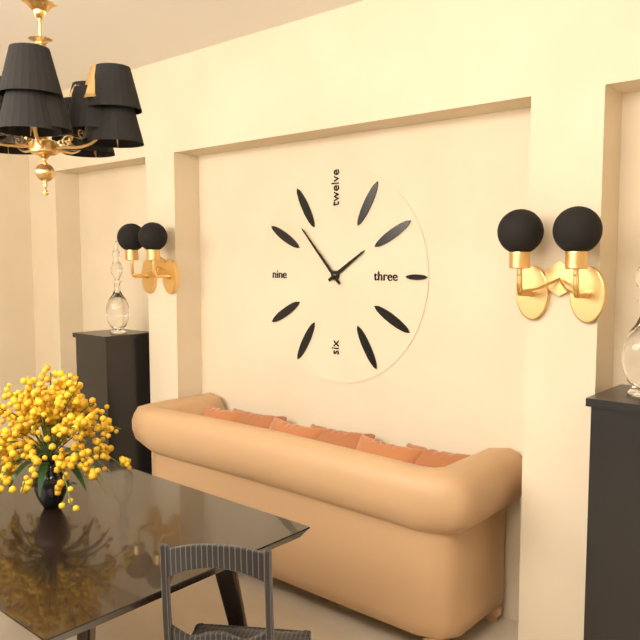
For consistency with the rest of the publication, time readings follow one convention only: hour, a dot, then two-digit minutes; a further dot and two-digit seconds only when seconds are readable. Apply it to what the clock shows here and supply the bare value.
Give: 1.53
